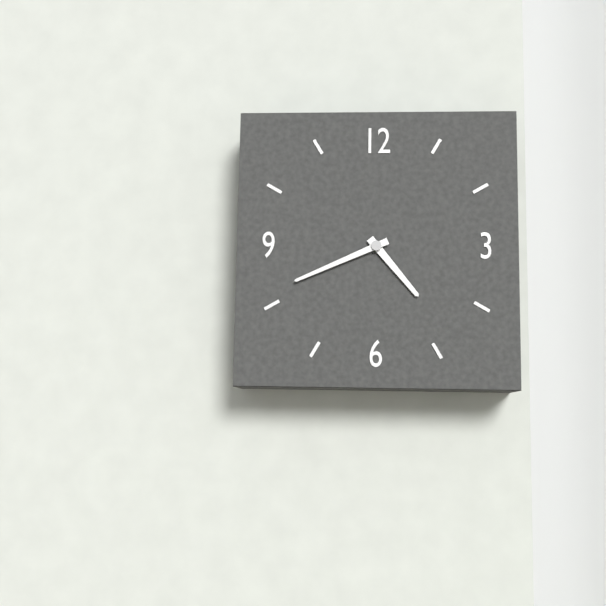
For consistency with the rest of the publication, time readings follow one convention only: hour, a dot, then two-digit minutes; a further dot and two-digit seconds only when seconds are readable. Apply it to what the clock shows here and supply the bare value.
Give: 4.41
